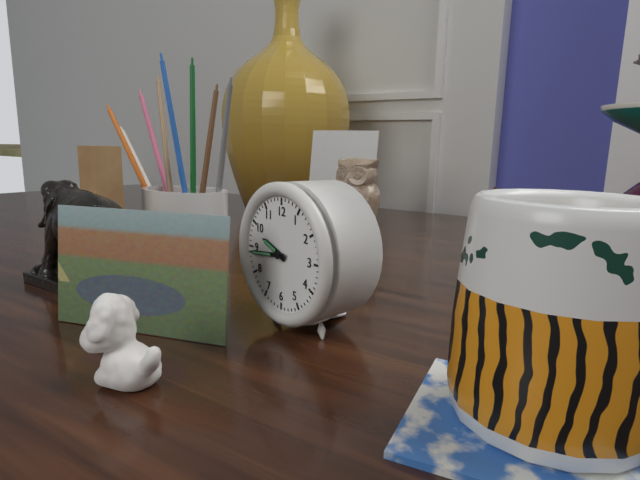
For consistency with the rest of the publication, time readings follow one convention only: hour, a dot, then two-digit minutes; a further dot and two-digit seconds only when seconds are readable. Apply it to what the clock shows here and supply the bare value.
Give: 9.44
